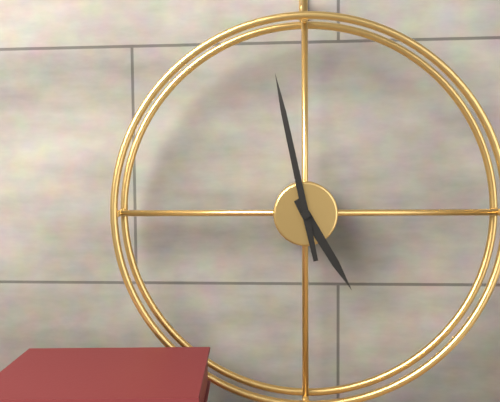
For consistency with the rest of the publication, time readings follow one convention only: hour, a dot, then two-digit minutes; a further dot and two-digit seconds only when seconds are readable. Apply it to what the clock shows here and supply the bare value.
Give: 4.58
